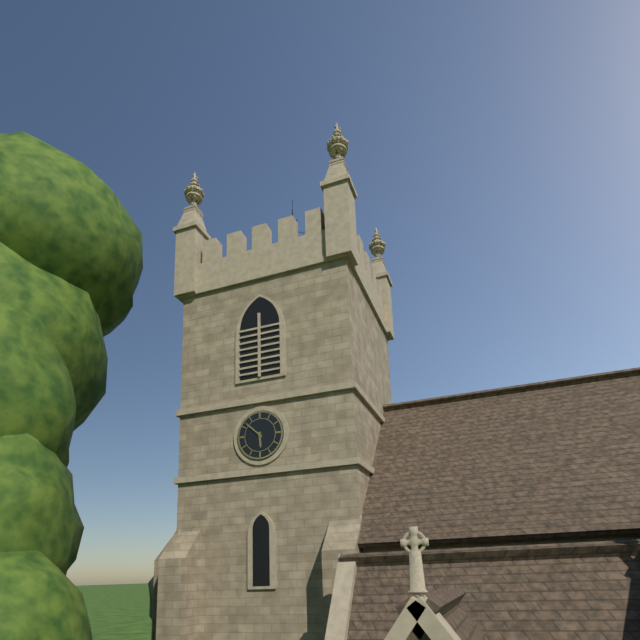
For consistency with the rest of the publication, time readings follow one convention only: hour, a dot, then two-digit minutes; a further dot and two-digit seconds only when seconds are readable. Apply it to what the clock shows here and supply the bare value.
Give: 5.52
